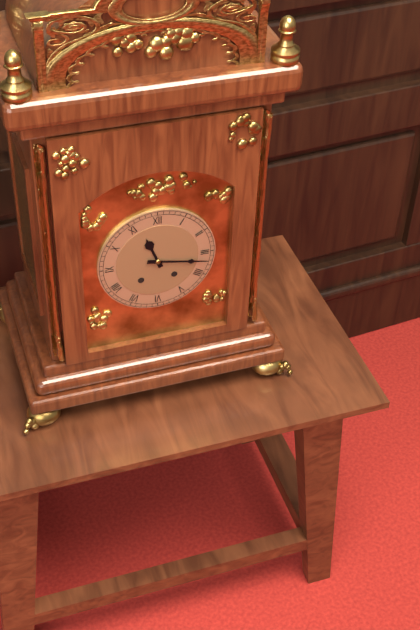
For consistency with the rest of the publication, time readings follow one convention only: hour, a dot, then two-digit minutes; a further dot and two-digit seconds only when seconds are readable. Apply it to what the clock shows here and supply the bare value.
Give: 11.17
